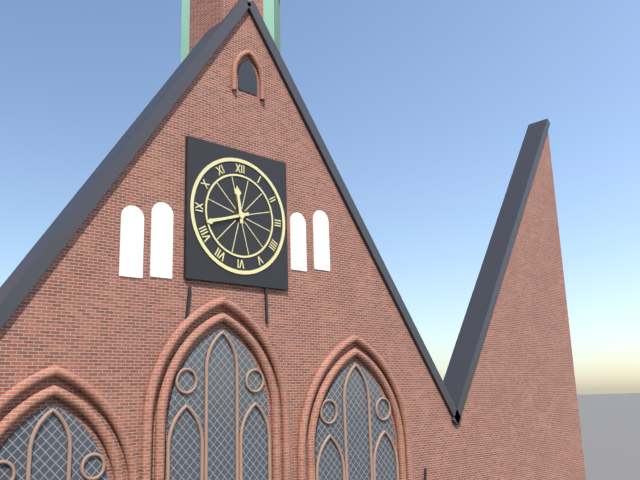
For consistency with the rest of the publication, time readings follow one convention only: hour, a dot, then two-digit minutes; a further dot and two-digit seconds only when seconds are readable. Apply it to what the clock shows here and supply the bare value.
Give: 11.42
